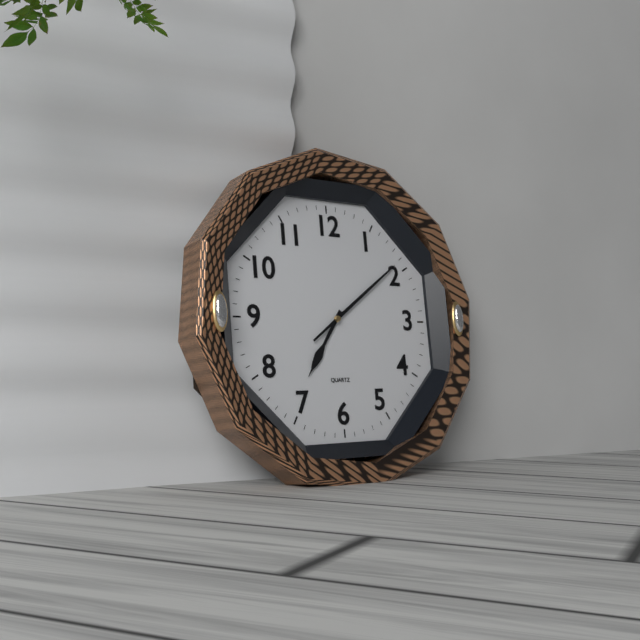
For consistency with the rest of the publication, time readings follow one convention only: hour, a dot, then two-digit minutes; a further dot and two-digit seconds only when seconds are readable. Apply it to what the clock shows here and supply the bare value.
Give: 7.09
